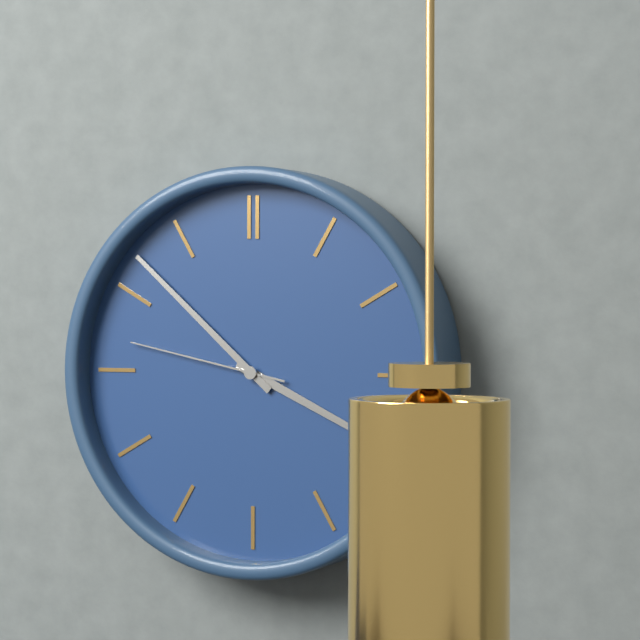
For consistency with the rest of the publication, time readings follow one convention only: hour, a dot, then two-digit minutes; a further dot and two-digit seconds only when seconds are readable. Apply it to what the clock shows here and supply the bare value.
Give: 3.52.47
